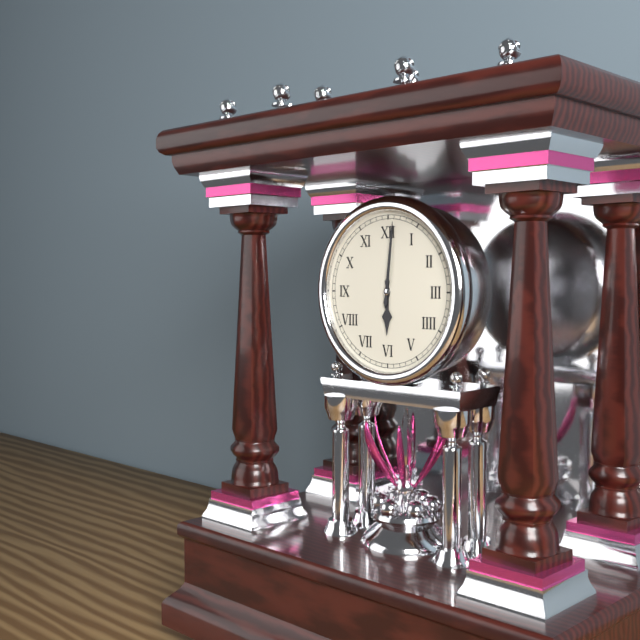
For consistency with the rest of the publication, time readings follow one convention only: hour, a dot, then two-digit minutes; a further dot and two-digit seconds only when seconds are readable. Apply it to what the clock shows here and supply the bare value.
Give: 6.01
